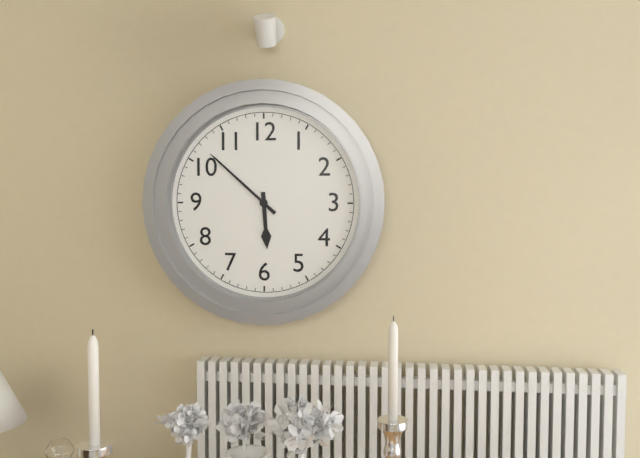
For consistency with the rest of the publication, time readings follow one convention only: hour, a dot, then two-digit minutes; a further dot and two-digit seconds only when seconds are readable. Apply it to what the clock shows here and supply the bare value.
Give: 5.52
